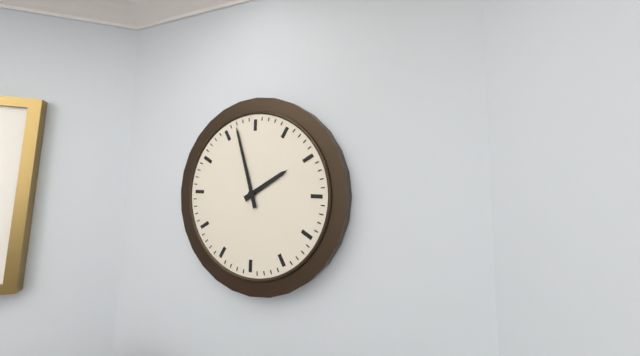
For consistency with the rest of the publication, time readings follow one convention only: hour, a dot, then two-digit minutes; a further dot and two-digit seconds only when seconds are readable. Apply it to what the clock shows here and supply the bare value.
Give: 1.57
